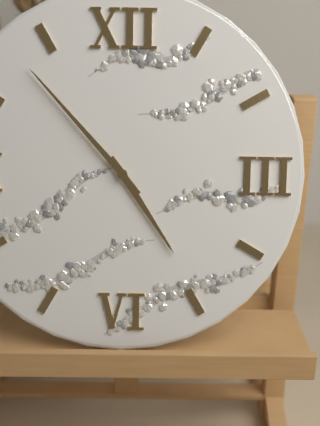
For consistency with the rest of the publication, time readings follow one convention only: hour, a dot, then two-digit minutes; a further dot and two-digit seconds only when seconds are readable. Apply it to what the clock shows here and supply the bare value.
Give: 4.53
